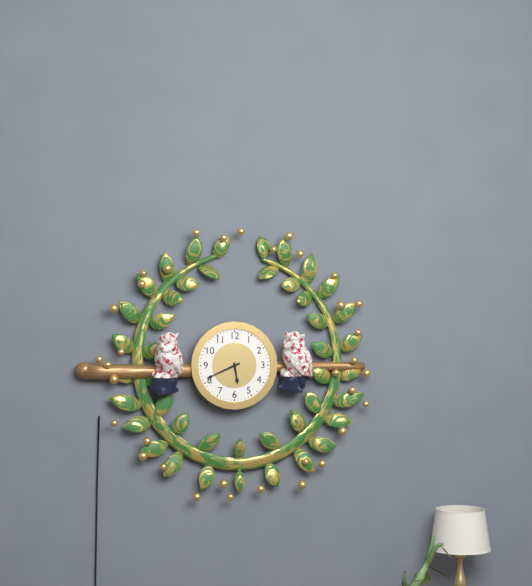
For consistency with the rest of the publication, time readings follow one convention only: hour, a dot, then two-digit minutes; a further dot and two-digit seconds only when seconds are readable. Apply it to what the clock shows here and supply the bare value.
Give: 5.41
